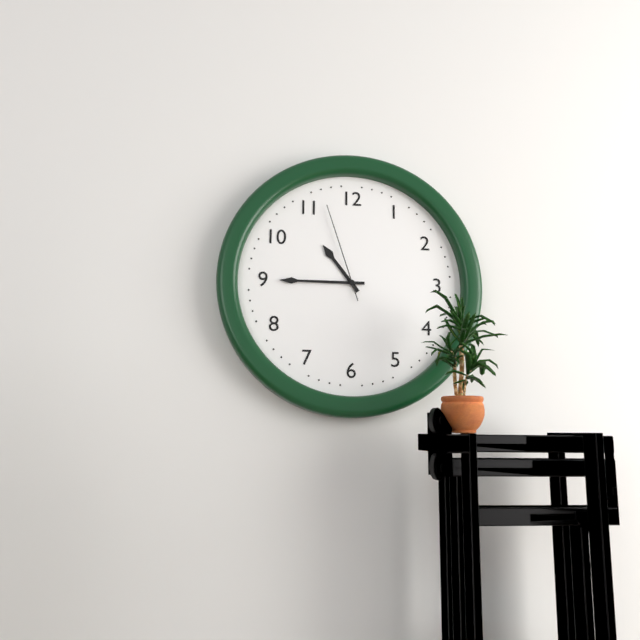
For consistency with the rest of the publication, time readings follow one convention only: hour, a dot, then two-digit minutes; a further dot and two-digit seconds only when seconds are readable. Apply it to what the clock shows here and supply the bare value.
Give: 10.45.57
